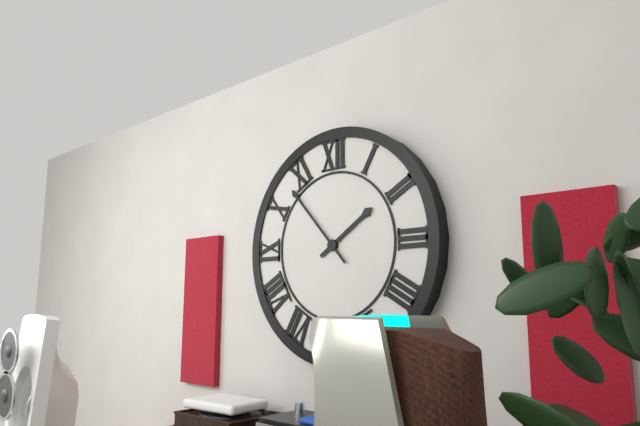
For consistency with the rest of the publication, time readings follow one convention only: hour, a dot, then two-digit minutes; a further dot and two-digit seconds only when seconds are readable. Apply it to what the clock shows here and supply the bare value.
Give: 1.53
